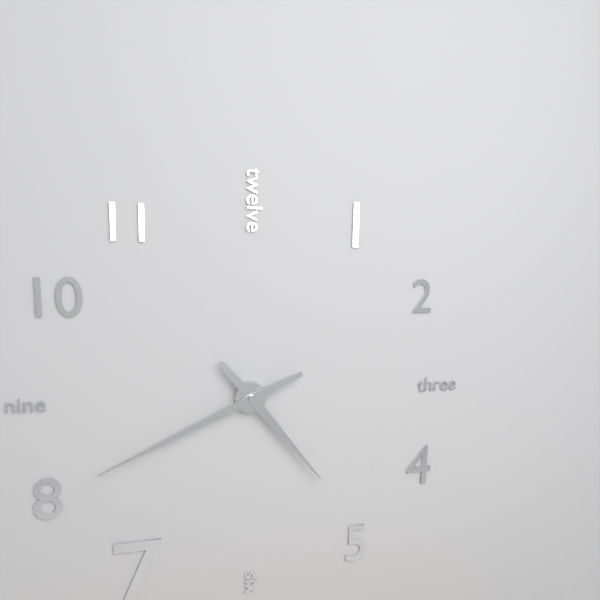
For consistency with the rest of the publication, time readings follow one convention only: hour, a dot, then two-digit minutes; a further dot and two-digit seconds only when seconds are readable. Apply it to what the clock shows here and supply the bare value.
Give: 4.41
